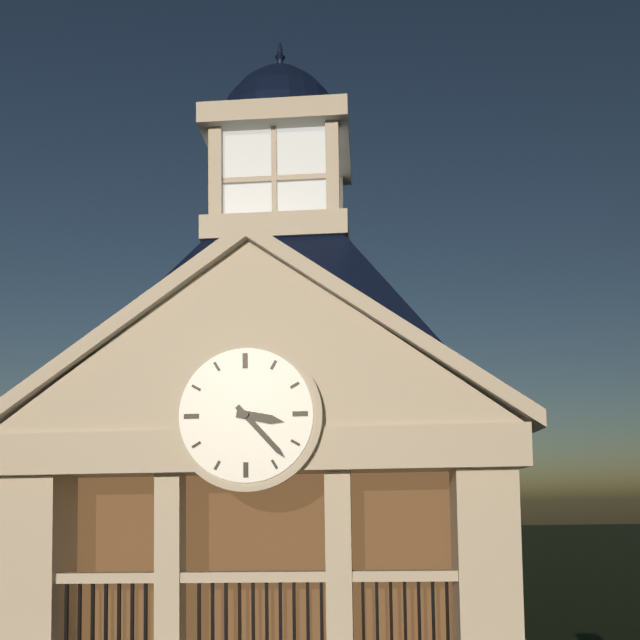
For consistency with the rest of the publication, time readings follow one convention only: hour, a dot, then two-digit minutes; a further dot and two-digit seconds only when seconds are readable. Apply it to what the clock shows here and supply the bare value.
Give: 3.23
